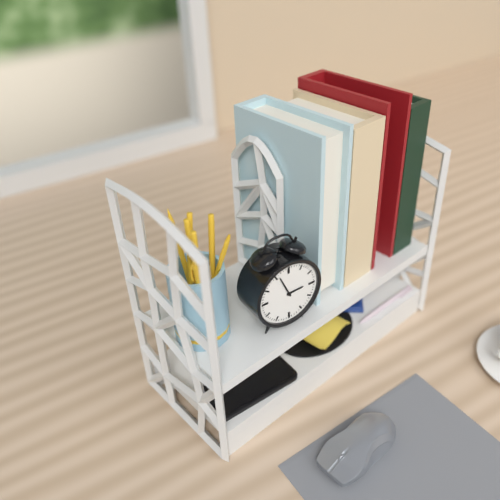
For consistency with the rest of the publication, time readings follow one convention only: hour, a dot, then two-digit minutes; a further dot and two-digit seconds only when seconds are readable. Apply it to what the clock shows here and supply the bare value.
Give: 2.56
